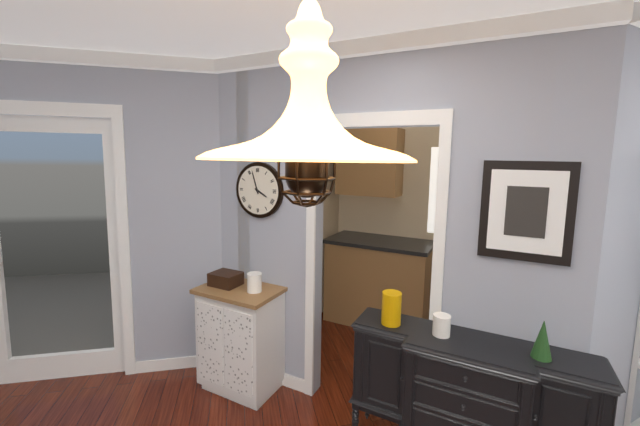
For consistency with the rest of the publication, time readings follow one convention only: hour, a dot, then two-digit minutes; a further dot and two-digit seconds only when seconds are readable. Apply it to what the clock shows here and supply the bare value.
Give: 3.57
